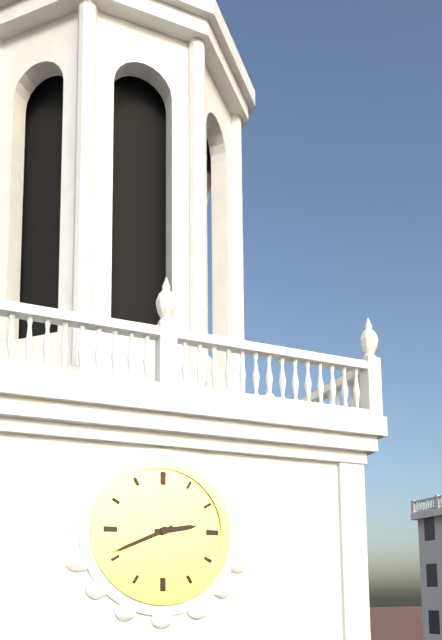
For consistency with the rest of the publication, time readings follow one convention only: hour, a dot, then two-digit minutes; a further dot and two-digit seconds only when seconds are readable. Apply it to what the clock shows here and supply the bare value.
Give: 2.41
